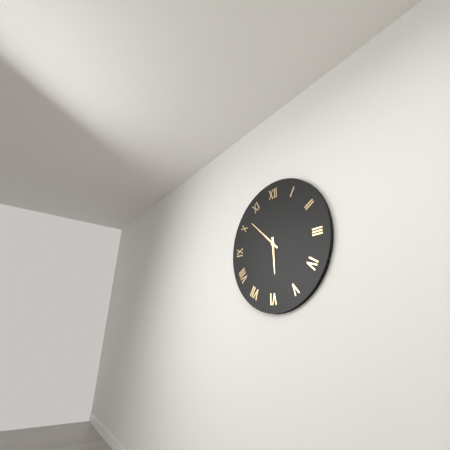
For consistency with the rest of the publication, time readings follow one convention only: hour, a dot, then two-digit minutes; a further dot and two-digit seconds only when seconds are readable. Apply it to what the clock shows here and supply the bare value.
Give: 5.52
